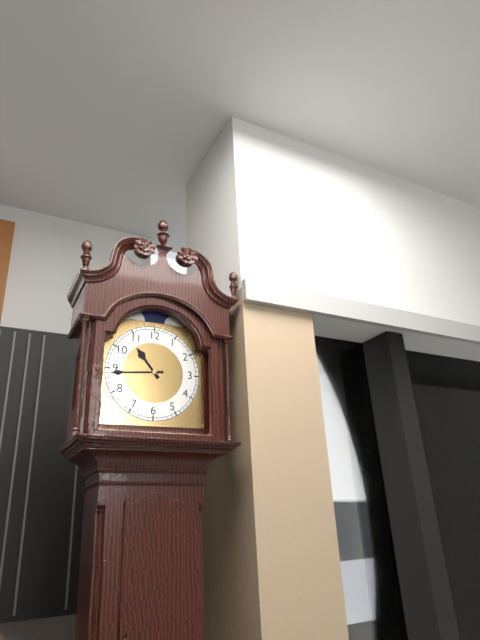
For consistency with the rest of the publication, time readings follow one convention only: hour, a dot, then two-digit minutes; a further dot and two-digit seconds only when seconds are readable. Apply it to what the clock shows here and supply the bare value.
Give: 10.44
